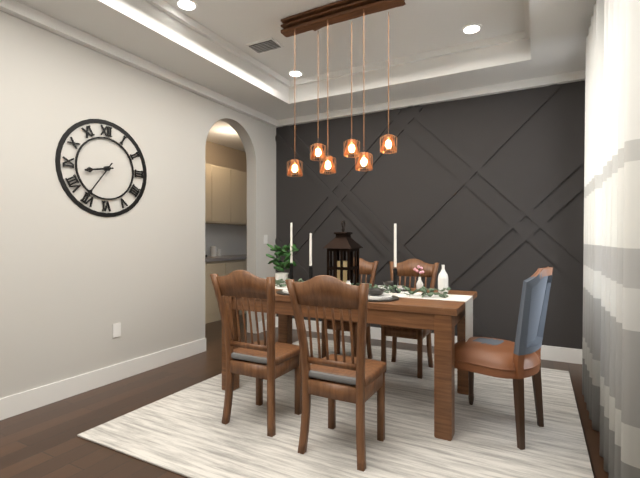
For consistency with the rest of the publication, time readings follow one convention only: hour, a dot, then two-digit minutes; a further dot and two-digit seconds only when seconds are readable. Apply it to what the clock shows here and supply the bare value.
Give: 8.36
